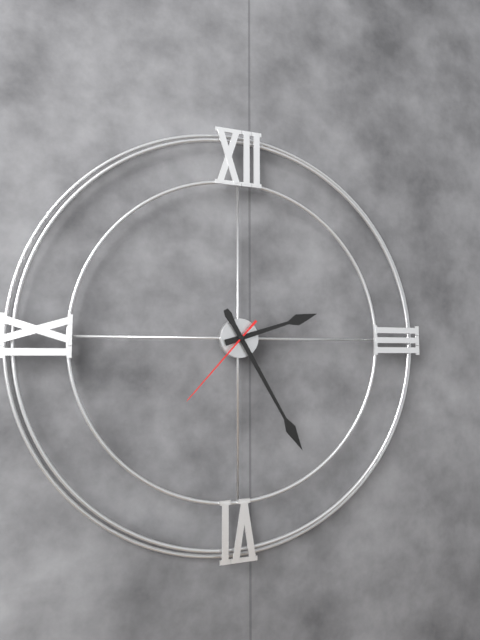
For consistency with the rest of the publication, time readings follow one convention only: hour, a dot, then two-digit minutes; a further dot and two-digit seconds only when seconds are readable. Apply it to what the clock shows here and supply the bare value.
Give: 2.25.37
